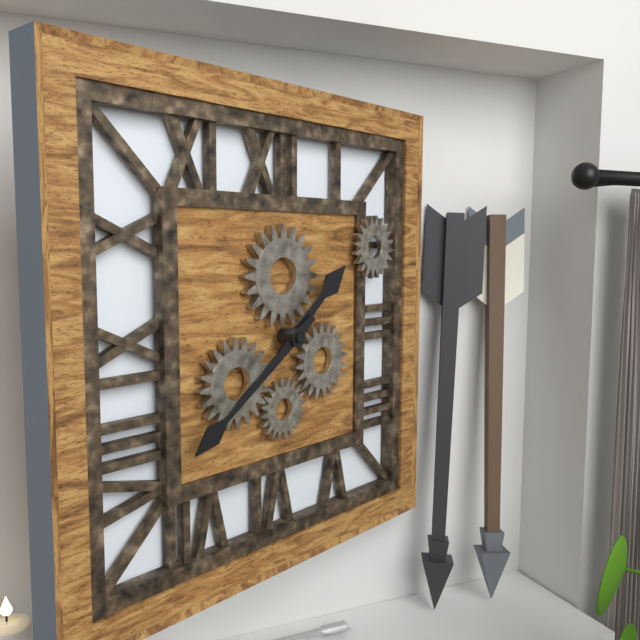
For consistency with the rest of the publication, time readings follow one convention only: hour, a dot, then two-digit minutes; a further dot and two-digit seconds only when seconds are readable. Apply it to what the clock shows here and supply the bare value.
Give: 1.39
